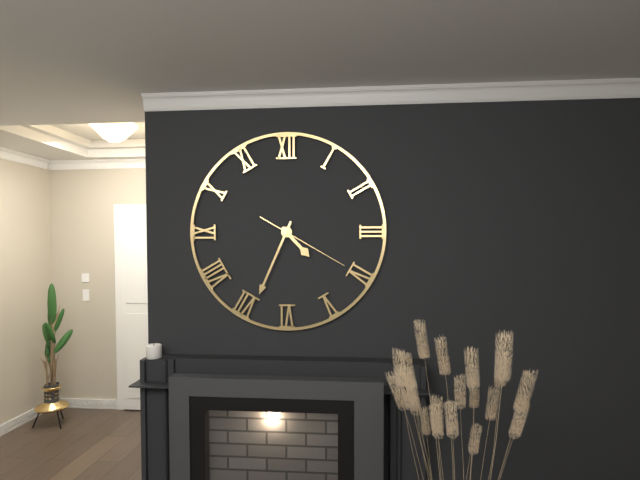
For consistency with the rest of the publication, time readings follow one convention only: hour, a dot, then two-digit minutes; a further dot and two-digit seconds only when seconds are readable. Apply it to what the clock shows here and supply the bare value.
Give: 4.34.20
